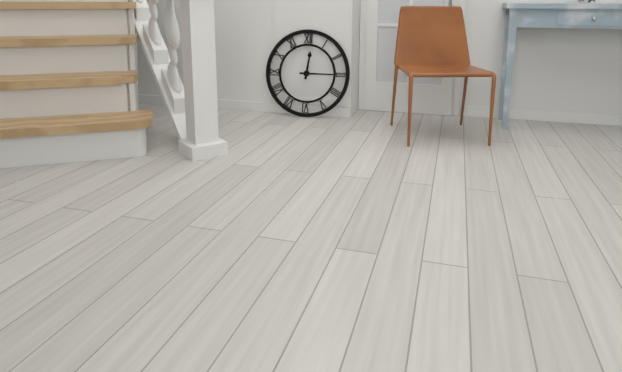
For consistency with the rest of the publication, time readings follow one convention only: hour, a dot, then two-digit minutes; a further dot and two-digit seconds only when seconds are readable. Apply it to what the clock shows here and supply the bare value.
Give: 12.15
